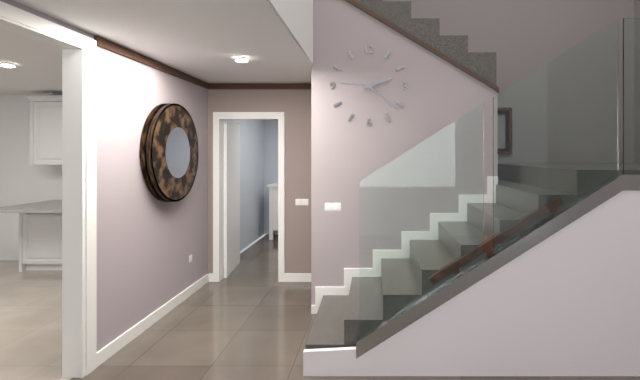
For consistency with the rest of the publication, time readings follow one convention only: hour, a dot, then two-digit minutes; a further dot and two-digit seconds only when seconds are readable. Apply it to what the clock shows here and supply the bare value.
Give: 2.22
